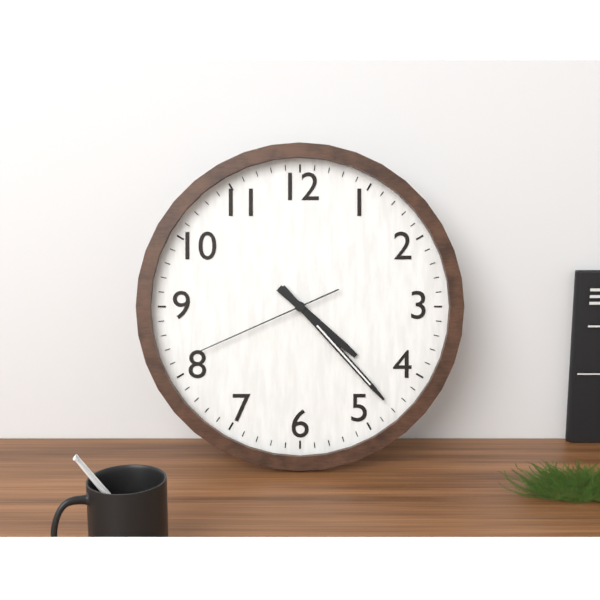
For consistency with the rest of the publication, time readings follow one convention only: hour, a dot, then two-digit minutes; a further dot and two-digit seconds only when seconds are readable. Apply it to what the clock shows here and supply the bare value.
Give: 4.23.41
